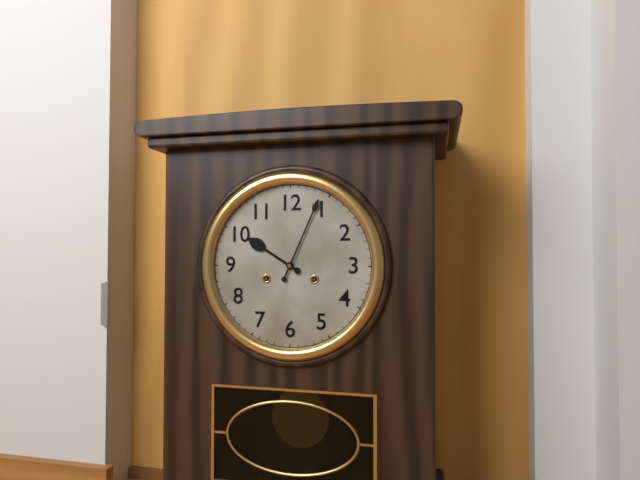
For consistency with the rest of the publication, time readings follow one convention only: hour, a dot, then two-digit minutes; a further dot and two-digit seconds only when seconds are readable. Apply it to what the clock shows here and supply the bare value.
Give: 10.04
